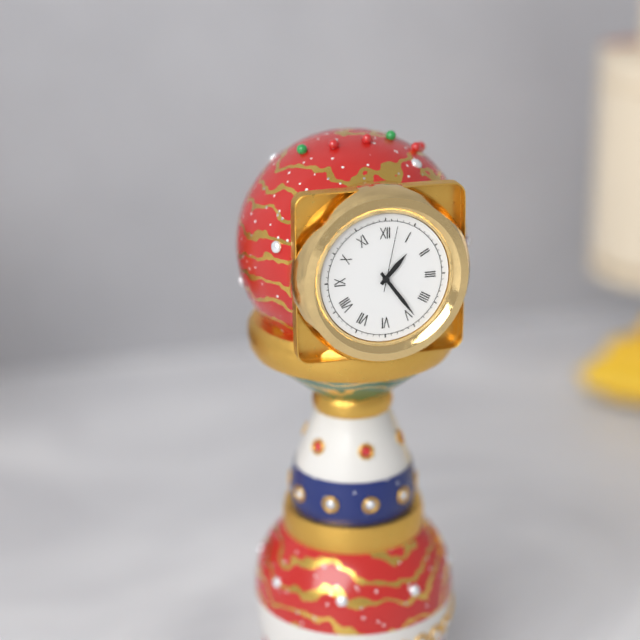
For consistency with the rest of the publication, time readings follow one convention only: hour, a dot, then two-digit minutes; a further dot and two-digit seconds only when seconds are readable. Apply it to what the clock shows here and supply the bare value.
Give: 1.24.02
